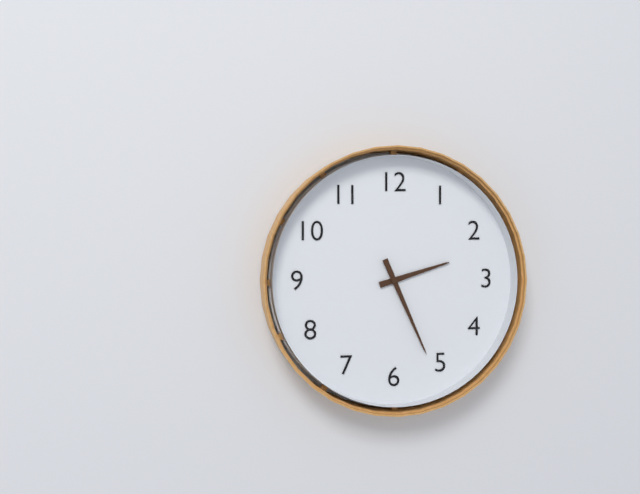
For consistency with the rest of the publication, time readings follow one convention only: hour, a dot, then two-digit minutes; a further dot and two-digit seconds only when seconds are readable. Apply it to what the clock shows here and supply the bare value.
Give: 2.26
